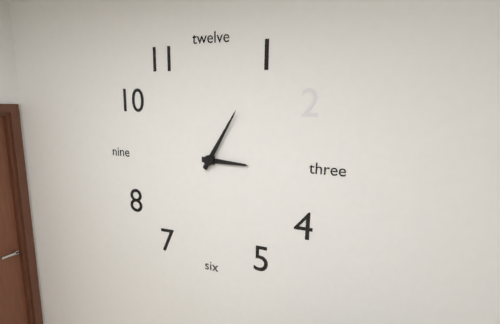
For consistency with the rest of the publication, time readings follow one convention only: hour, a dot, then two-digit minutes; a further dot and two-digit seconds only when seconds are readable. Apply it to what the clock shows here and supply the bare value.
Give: 3.05
